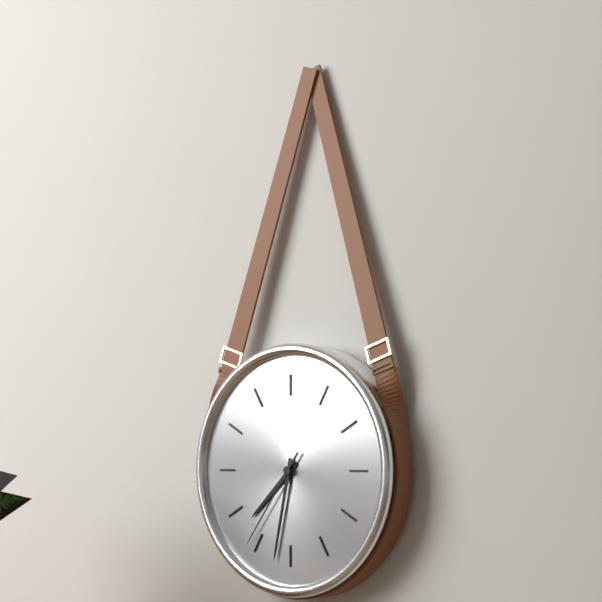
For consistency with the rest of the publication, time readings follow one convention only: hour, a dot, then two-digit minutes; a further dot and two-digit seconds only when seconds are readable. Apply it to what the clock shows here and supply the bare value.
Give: 7.32.36
